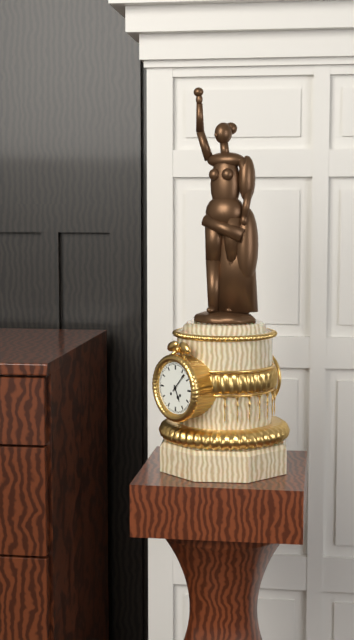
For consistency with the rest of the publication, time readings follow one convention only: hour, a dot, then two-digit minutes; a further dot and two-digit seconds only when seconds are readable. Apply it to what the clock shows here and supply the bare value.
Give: 5.07
